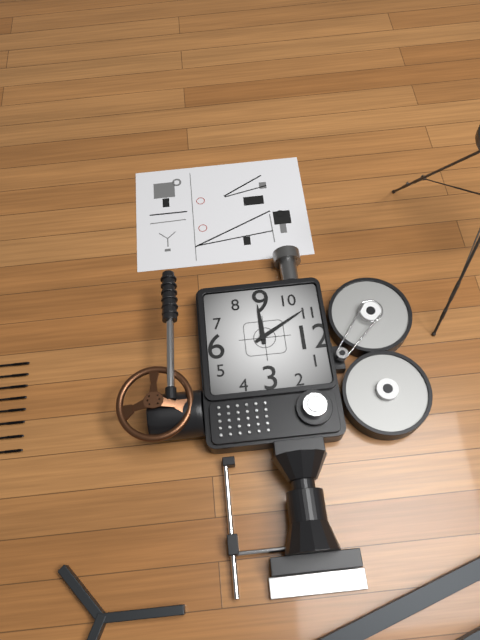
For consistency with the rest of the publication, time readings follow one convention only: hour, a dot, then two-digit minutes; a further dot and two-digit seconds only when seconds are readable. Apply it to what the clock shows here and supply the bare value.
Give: 8.55
